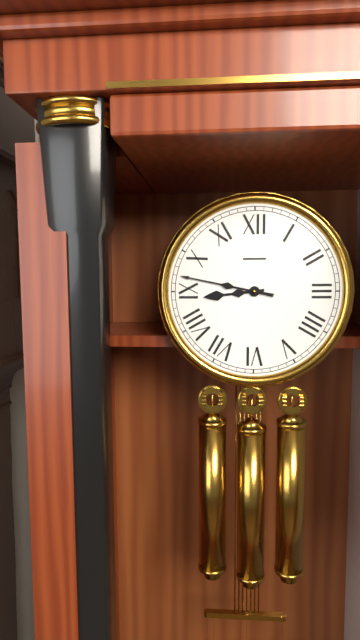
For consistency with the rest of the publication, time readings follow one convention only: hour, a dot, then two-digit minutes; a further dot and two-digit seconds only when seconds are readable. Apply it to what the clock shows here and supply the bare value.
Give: 8.47
